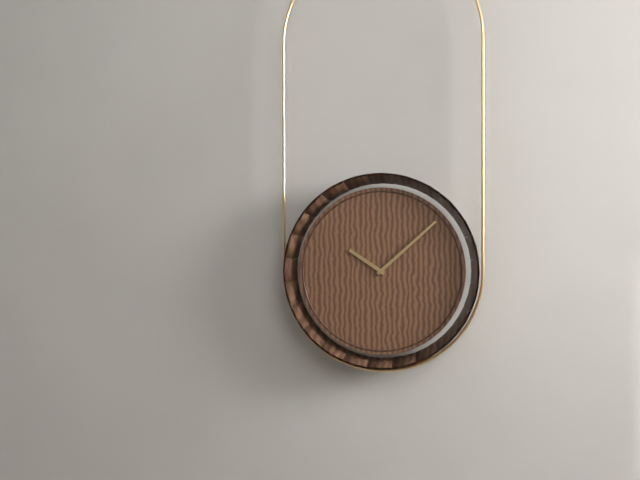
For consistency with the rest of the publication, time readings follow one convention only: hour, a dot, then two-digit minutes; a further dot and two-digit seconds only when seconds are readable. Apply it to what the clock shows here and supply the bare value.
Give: 10.08
